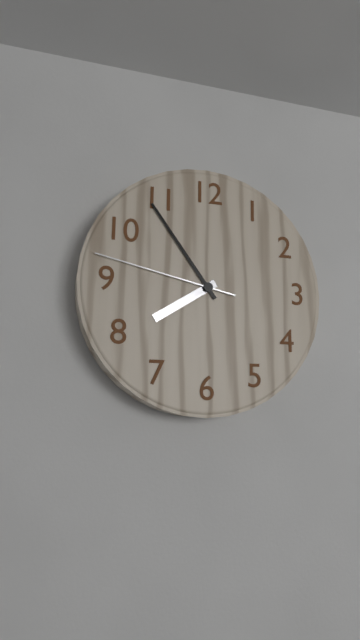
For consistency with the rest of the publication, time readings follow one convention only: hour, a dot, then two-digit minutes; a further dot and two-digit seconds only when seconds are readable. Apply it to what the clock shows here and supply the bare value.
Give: 7.54.47
